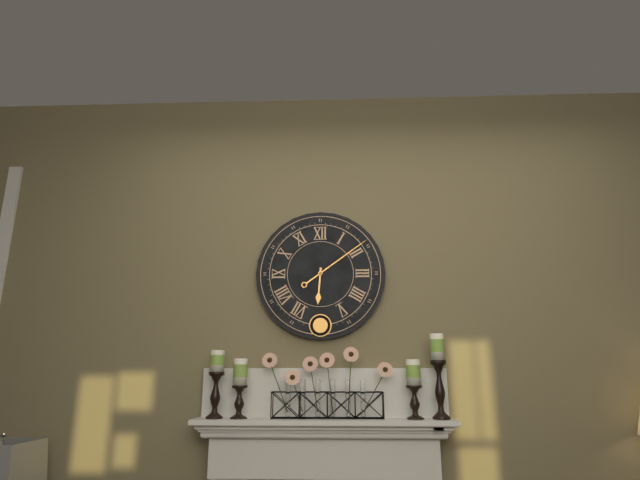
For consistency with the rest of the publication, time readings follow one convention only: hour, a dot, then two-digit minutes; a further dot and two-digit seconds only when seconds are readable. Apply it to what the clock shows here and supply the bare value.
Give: 6.09
